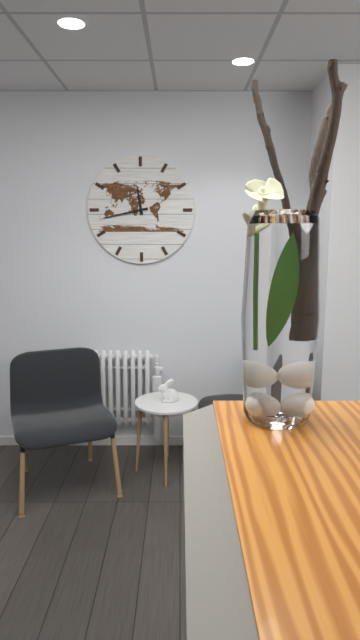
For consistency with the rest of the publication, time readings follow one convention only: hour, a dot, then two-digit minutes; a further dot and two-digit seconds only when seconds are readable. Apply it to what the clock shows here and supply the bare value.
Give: 11.43
